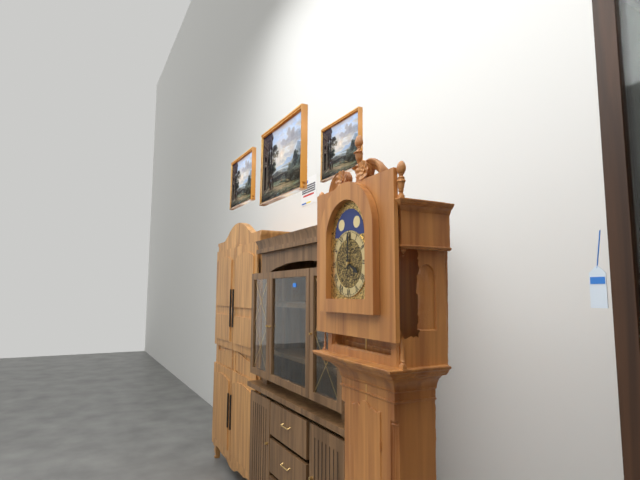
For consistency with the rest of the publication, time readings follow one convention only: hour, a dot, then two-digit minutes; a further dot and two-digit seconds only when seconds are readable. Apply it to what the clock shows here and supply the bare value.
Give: 4.00
